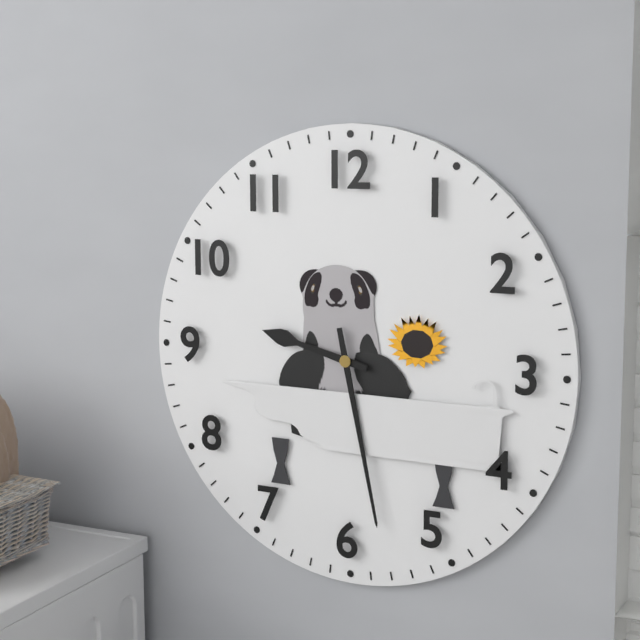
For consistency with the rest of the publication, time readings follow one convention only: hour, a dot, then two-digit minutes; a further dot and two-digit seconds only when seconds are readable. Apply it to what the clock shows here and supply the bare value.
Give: 9.28
